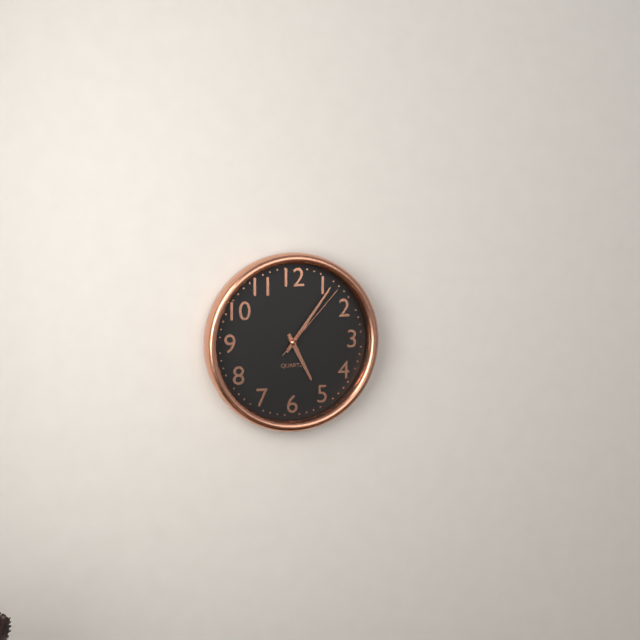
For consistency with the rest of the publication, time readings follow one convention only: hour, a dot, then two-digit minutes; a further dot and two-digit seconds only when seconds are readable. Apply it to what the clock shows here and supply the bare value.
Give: 5.06.07
